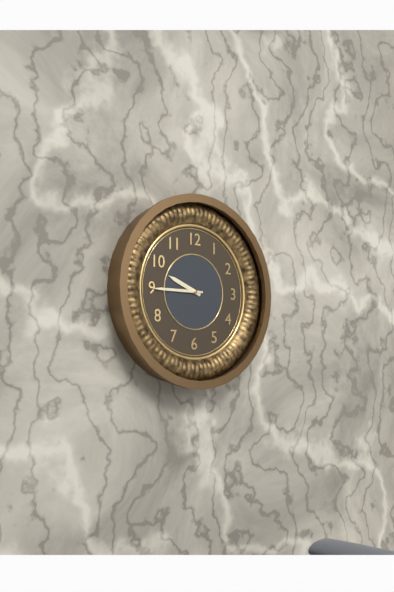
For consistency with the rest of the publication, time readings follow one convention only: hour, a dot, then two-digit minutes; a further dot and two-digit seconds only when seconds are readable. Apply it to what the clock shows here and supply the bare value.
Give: 9.45
